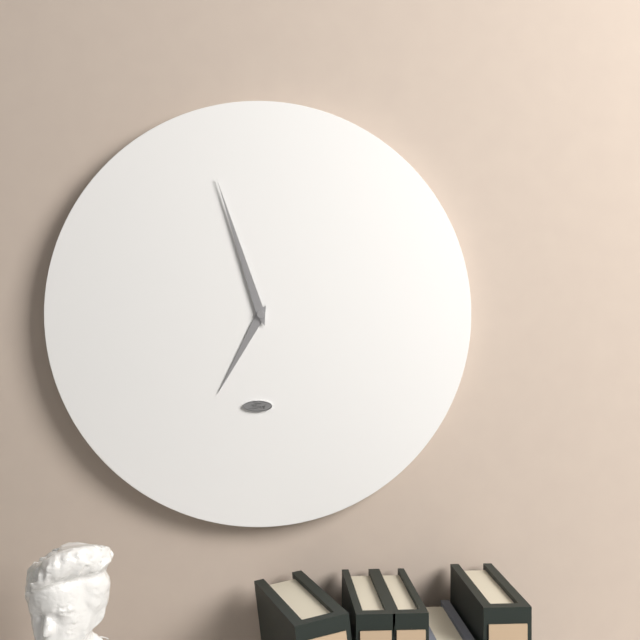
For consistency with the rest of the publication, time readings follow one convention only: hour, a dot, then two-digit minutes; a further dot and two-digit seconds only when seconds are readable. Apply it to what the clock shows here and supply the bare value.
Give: 6.57
